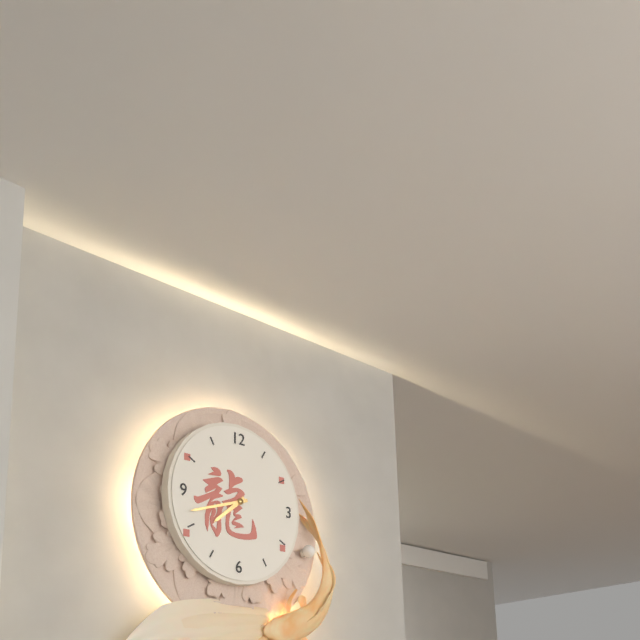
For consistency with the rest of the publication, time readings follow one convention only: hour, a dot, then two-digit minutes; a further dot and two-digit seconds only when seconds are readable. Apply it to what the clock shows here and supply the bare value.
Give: 7.42
